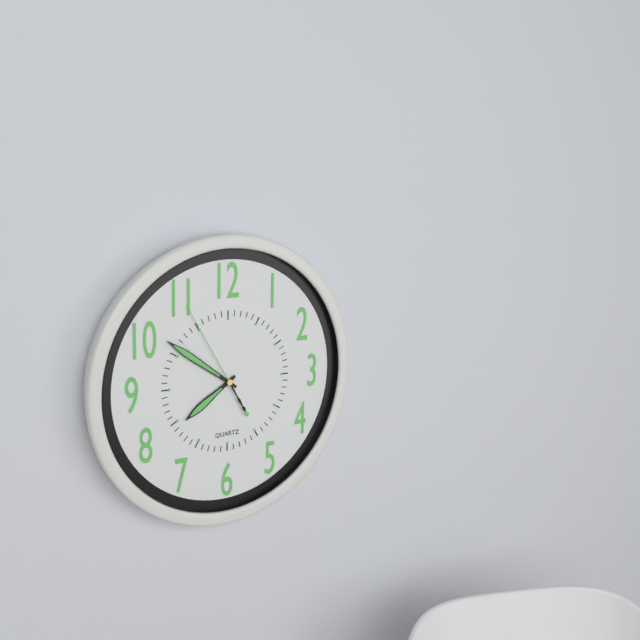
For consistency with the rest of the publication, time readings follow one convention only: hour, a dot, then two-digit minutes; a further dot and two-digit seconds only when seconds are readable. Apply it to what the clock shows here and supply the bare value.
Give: 7.51.55
